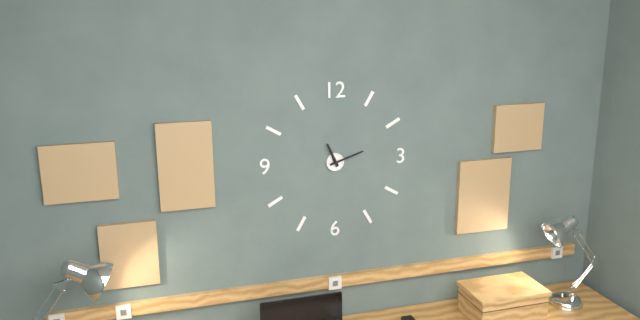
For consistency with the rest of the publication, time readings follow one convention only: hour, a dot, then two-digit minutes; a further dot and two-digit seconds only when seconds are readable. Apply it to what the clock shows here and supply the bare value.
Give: 11.12
